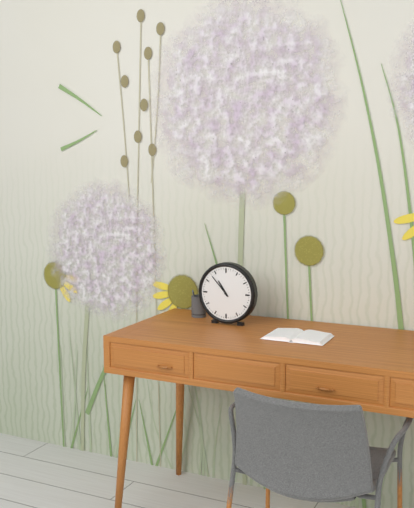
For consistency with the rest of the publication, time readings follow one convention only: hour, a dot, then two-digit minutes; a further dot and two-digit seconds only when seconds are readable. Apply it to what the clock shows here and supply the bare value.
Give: 10.53
